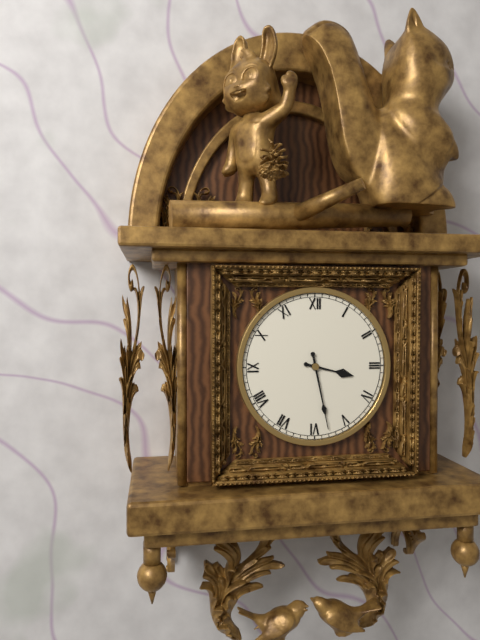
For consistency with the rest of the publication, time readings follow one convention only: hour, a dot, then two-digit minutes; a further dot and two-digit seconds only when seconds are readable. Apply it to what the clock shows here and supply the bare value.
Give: 3.28
